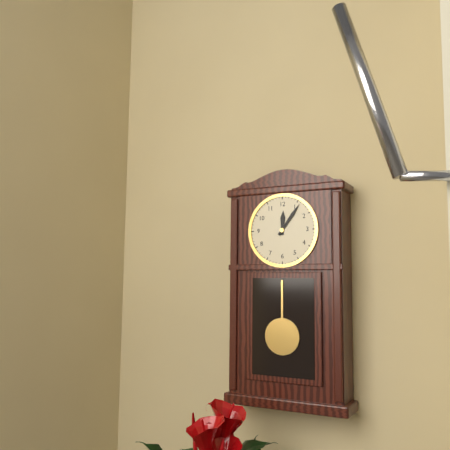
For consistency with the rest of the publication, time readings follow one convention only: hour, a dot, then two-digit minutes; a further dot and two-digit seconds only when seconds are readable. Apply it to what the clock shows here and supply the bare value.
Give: 12.06
